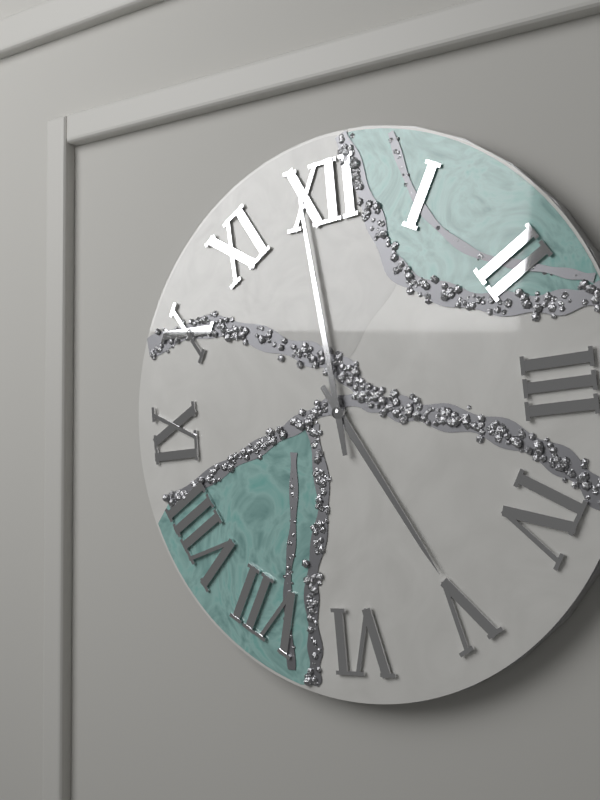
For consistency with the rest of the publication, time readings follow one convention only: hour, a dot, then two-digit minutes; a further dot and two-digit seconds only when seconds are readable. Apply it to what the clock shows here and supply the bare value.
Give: 4.59
